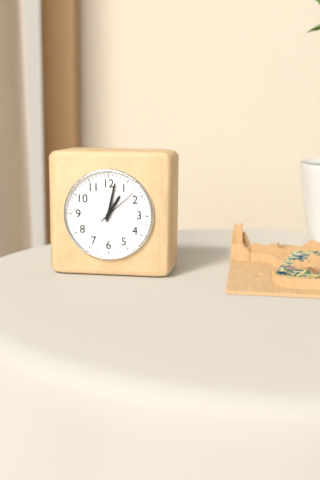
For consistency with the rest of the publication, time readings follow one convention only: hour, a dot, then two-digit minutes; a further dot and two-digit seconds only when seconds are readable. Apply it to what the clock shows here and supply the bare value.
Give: 1.02
